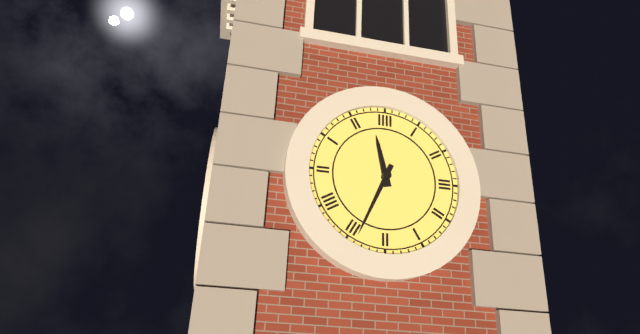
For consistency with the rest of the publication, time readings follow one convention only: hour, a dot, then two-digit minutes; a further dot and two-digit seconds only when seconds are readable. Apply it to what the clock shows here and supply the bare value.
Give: 11.34
